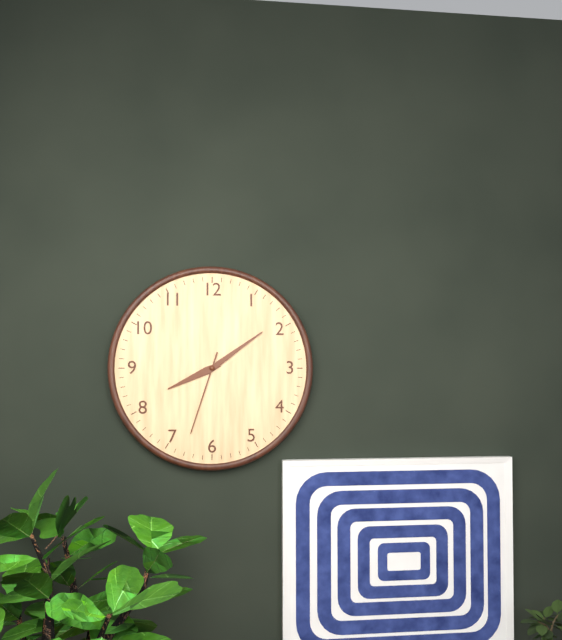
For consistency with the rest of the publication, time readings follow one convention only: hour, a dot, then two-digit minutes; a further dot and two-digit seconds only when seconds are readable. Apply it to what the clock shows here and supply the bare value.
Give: 8.09.33
